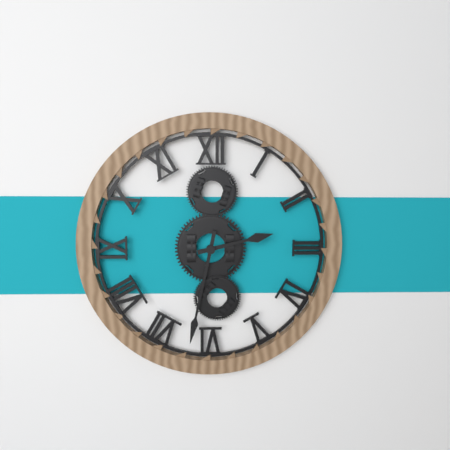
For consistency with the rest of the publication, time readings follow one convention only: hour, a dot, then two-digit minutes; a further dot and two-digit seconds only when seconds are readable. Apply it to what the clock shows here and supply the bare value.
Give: 2.32
